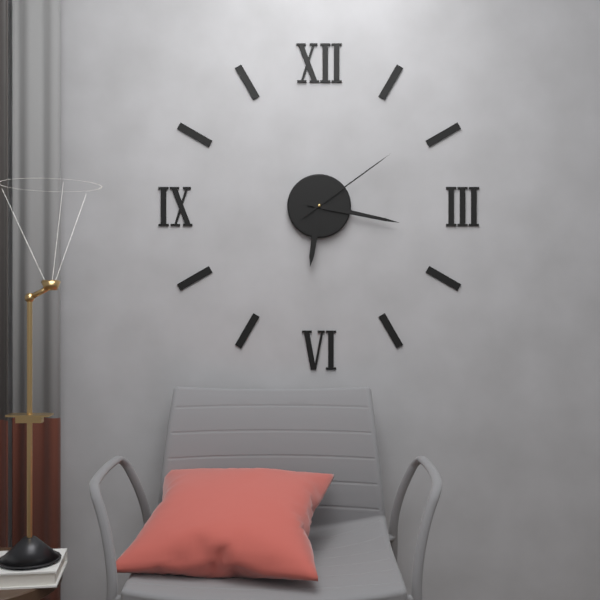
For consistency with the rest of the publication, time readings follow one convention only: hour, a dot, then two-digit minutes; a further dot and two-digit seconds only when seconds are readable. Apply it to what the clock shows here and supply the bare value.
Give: 6.17.09
